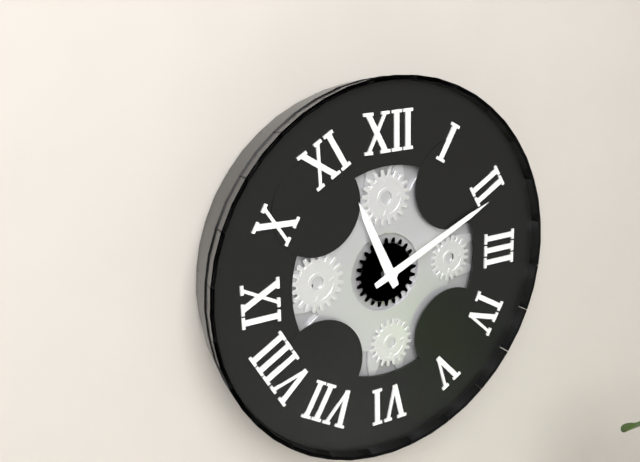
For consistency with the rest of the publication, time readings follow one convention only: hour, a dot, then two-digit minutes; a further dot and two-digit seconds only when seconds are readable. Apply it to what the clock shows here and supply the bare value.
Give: 11.11
